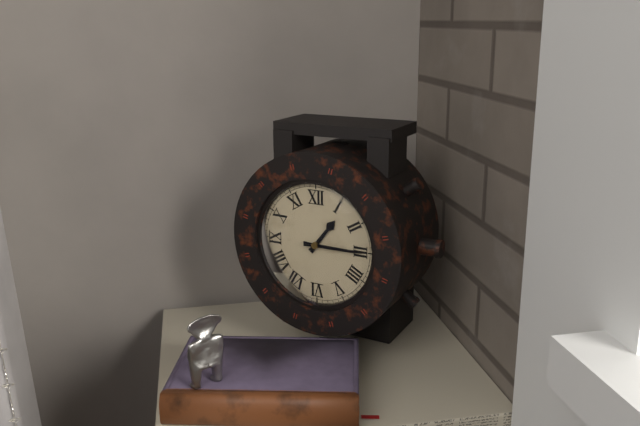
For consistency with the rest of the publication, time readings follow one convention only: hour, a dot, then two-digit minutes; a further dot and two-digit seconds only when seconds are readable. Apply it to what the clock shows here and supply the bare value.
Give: 1.15
